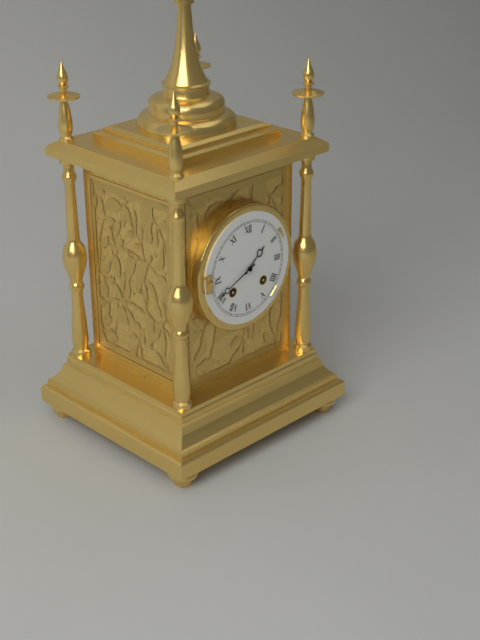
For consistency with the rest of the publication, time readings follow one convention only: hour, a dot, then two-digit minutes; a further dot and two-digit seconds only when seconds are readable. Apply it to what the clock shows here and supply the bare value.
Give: 1.41
